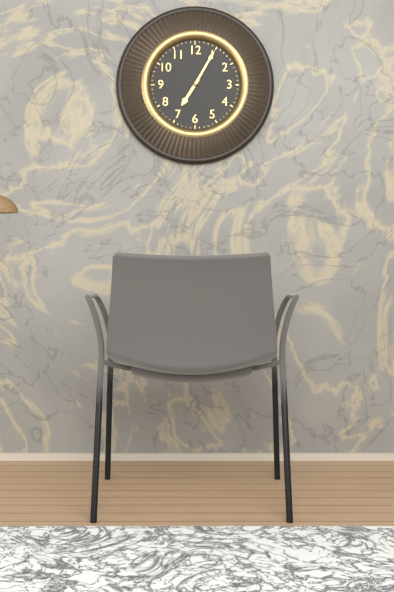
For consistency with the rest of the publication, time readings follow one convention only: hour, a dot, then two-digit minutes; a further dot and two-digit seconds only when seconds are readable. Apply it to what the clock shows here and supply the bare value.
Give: 7.05
